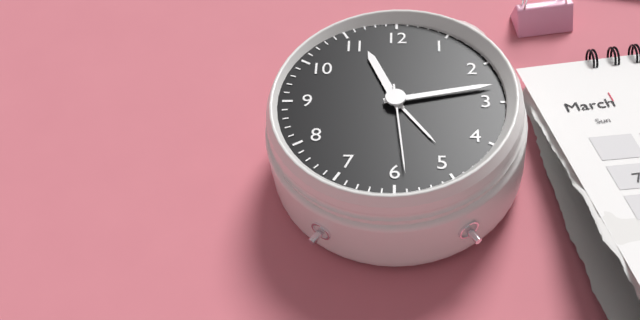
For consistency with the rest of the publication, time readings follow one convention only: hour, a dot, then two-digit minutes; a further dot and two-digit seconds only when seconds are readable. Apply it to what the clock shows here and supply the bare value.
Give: 11.13.29
